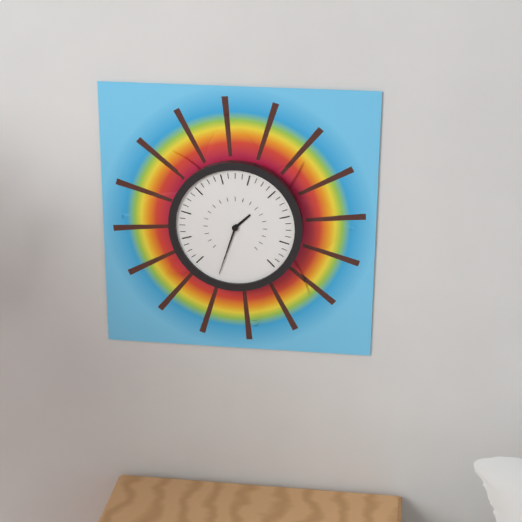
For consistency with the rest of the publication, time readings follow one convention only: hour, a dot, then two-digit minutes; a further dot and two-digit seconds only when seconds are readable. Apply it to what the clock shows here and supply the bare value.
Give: 1.33
